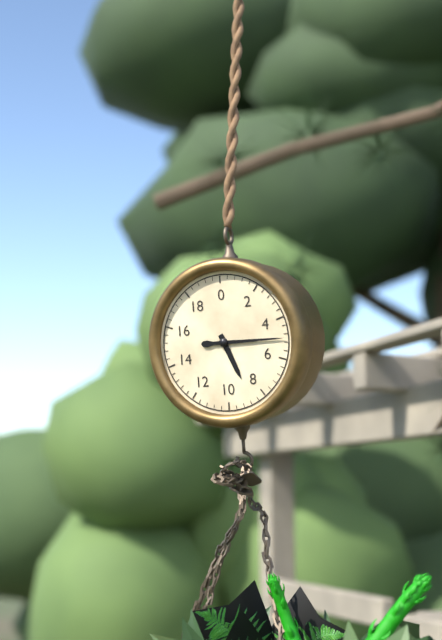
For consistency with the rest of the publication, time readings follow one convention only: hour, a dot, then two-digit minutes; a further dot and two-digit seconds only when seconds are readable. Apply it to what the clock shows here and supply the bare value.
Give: 5.15
